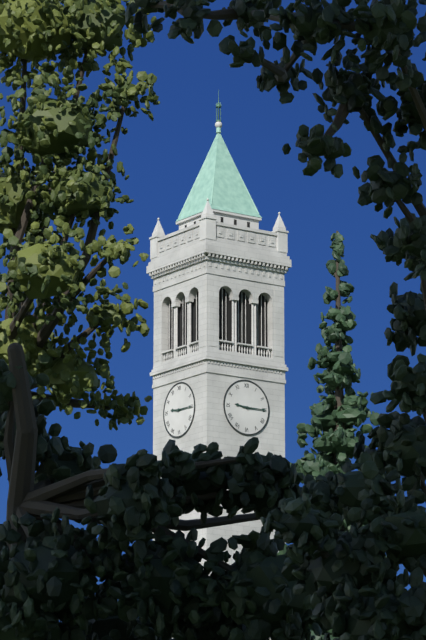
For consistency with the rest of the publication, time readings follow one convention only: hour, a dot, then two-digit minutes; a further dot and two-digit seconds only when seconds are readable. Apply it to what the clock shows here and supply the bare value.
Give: 9.15
